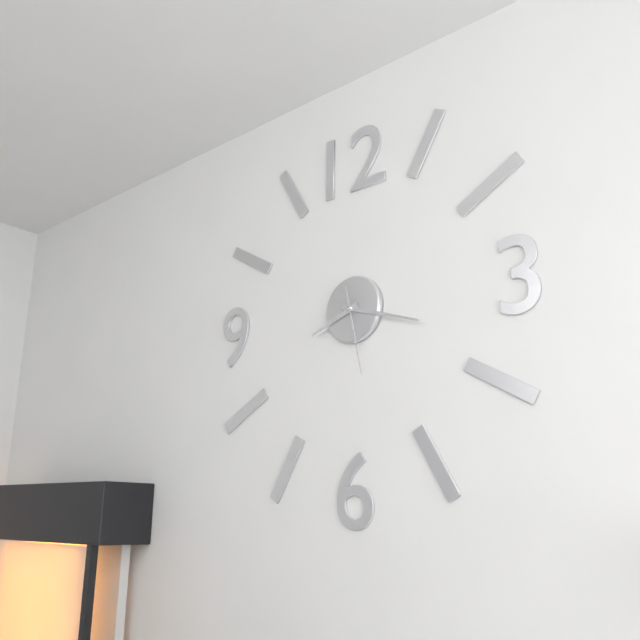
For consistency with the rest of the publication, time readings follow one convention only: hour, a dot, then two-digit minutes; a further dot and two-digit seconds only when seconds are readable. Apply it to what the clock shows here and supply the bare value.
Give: 8.18.28
